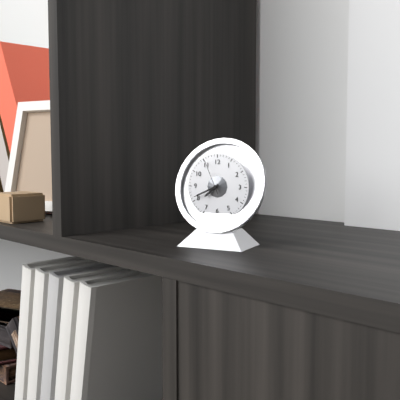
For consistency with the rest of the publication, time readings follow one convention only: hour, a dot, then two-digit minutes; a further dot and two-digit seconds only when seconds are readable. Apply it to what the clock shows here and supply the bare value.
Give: 7.41
